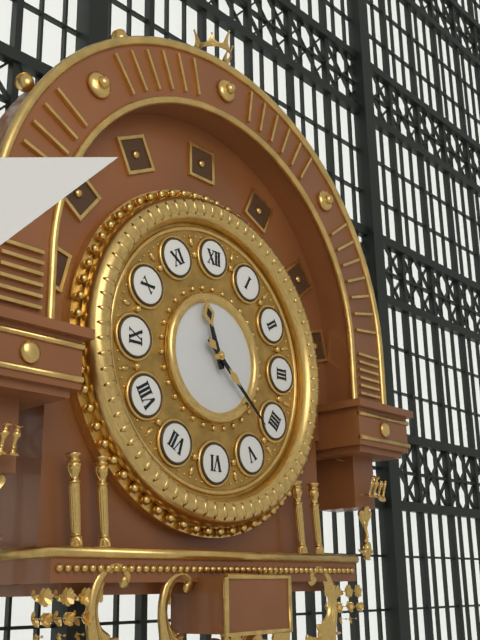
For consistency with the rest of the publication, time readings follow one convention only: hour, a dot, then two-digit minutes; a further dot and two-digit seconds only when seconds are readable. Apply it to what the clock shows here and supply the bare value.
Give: 11.22
